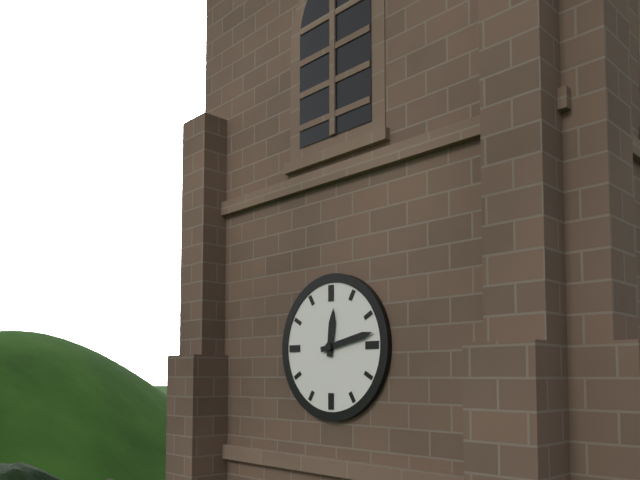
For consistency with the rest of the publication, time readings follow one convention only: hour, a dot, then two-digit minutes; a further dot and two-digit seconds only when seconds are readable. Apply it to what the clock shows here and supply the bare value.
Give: 12.13
